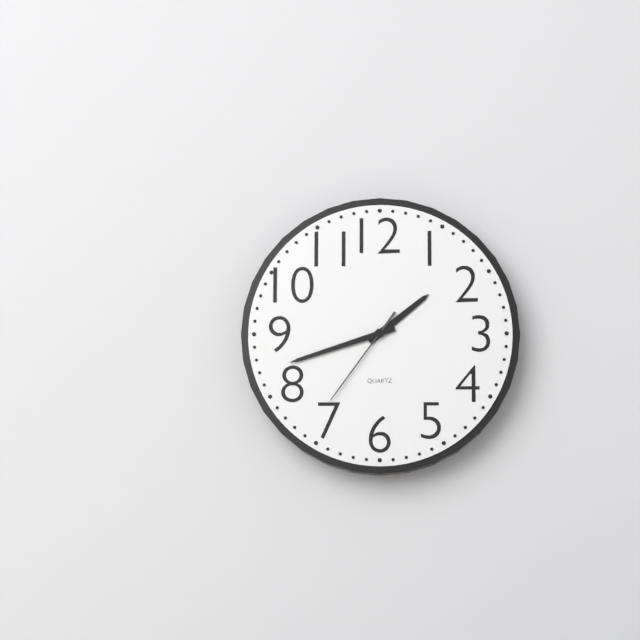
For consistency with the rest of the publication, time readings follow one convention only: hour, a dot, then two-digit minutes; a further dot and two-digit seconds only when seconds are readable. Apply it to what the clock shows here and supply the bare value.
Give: 1.42.36
